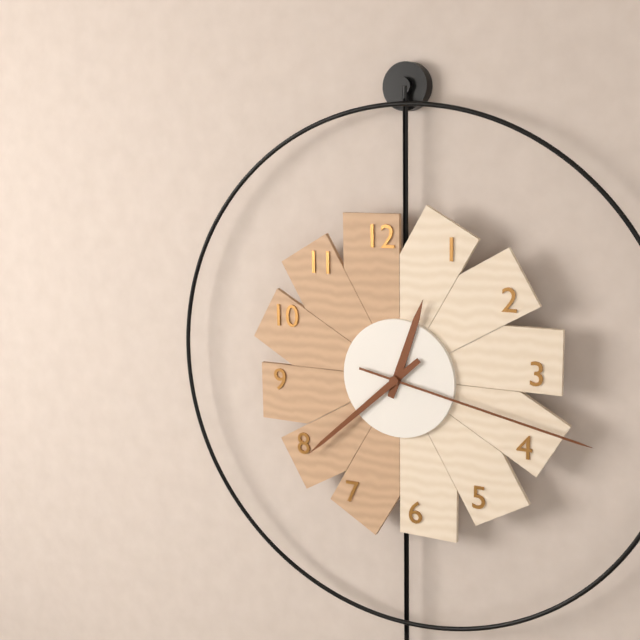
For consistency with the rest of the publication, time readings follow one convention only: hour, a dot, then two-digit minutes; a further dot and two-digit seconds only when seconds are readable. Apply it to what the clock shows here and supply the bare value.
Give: 12.38.17
